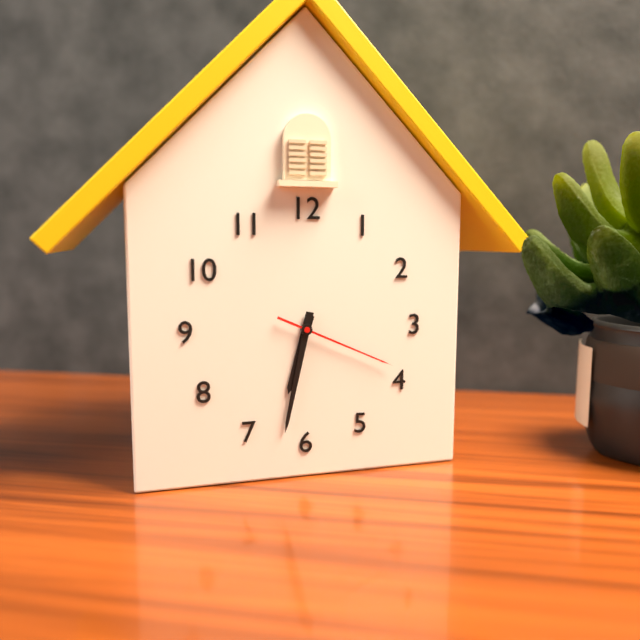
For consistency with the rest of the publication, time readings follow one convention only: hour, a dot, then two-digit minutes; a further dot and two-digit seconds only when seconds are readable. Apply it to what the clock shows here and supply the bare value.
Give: 6.32.19
